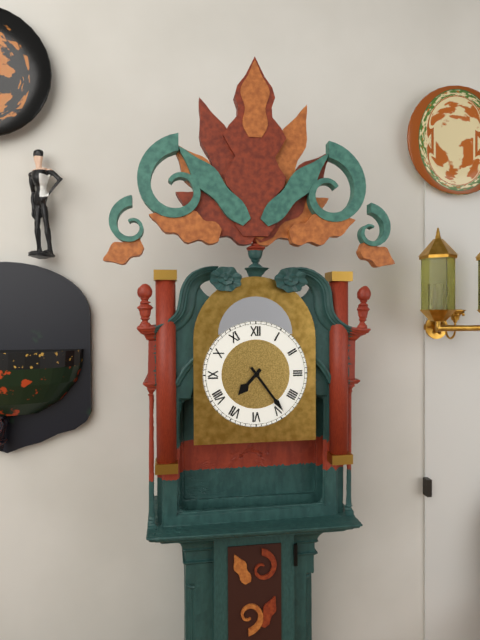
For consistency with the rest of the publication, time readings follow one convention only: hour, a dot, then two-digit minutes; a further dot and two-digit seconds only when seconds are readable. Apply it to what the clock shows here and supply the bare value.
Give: 7.24
